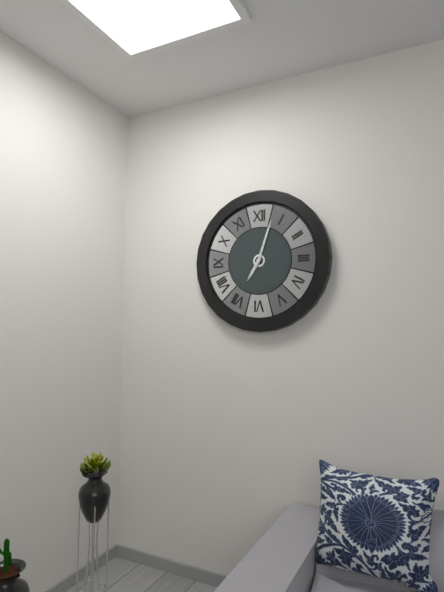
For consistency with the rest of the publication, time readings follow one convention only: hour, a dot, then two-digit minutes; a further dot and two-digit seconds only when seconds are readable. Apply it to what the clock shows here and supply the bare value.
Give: 7.03
